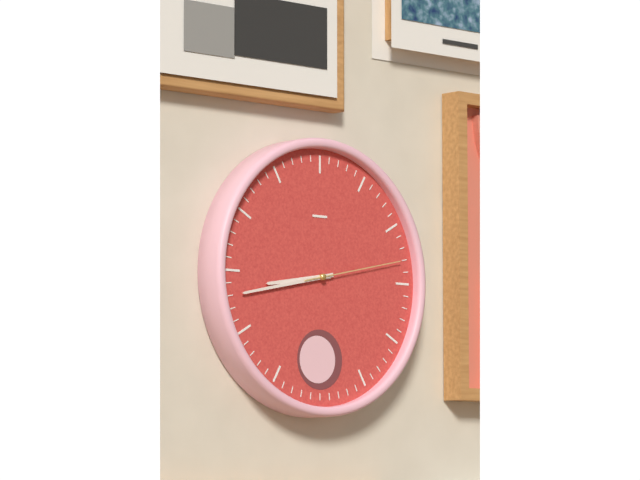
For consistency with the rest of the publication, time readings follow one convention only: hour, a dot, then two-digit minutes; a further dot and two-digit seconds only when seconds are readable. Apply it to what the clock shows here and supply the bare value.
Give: 8.43.13
